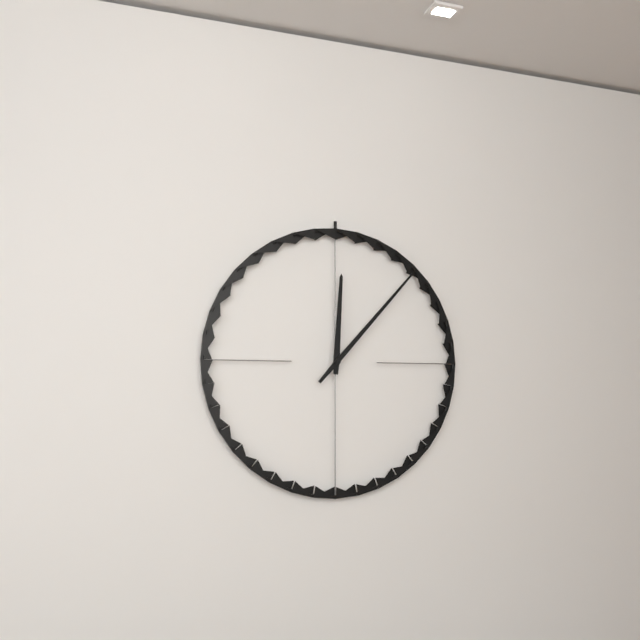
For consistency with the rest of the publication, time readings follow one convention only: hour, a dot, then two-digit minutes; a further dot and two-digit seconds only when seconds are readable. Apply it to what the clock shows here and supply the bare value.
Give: 12.07
